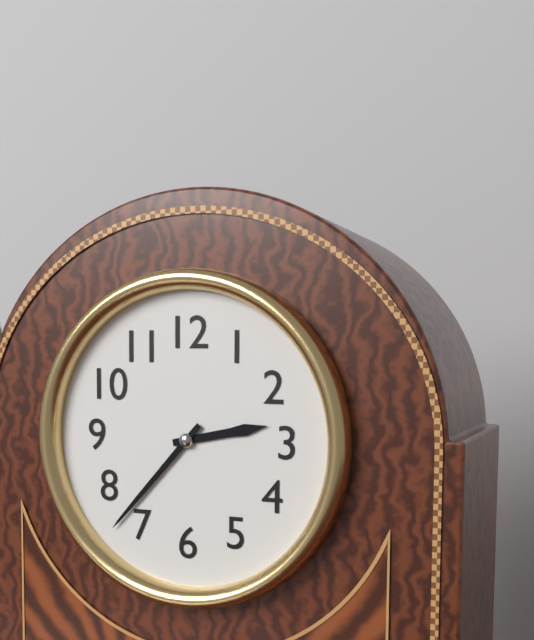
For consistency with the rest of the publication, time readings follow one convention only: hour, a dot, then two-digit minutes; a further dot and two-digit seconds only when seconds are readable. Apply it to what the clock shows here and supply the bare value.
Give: 2.37
